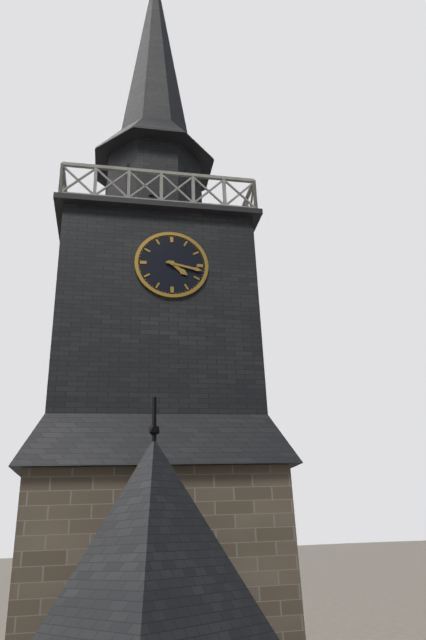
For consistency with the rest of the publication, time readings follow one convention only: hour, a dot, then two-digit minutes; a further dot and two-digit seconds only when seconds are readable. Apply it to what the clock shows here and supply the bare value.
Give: 4.17
